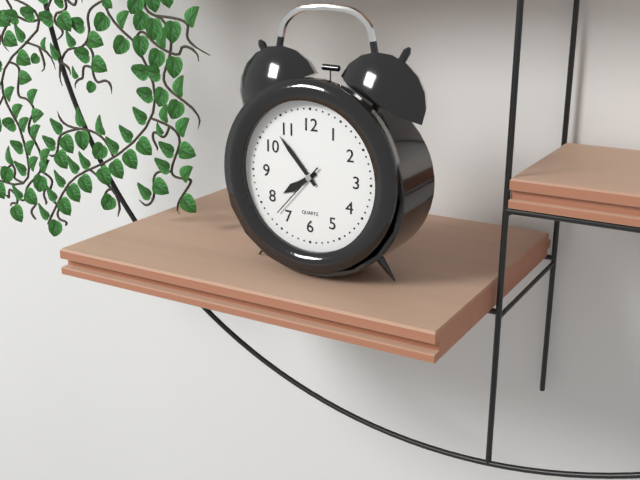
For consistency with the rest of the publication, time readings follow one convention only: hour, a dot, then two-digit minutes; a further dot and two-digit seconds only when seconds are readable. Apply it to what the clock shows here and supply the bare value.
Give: 7.53.37
